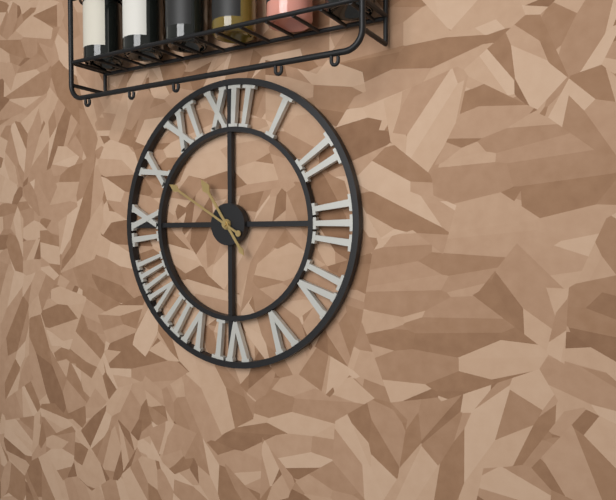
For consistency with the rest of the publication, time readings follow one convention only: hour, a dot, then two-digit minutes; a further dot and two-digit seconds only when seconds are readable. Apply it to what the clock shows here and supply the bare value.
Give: 10.50
